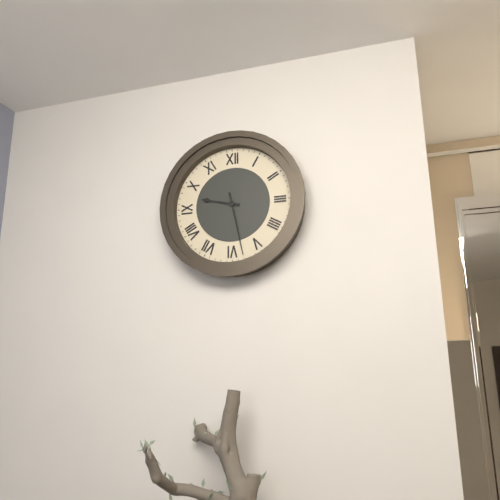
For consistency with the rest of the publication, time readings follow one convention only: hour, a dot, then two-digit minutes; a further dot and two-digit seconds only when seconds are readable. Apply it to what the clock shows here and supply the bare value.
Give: 9.28
